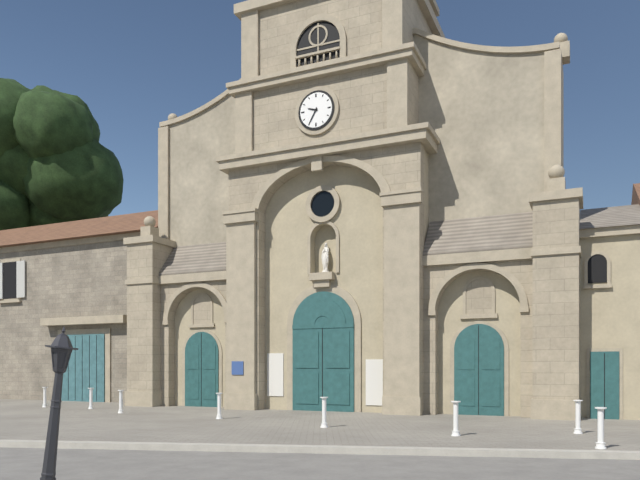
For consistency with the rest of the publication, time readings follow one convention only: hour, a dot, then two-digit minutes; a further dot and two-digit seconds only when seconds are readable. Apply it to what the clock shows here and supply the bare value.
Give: 9.35
